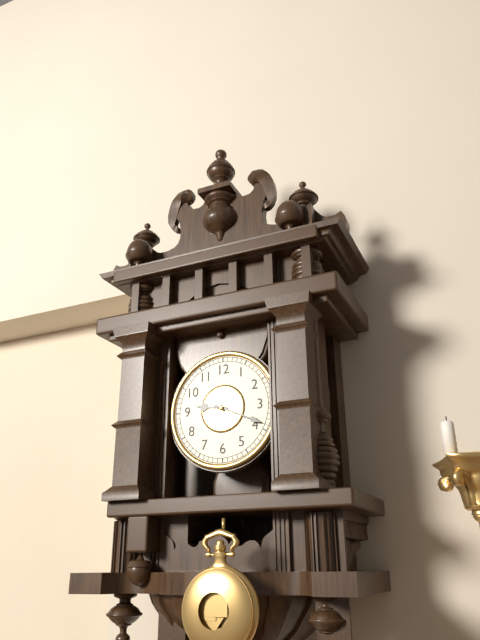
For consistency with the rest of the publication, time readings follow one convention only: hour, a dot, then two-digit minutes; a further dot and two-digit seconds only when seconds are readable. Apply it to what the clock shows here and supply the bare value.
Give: 9.19
